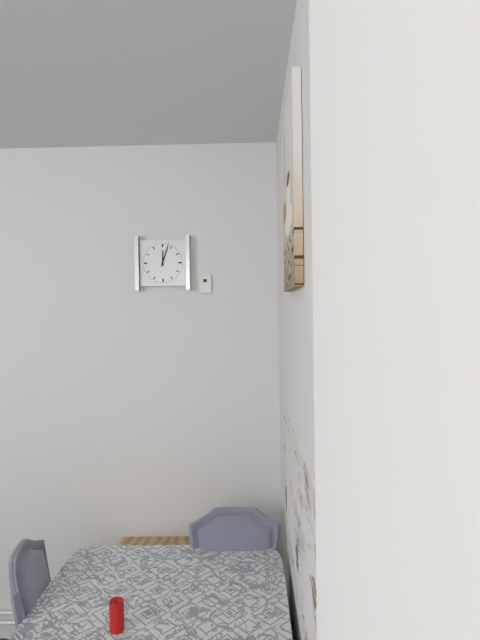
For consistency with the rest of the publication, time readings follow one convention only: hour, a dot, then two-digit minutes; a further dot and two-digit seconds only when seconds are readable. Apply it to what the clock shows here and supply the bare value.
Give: 12.03
